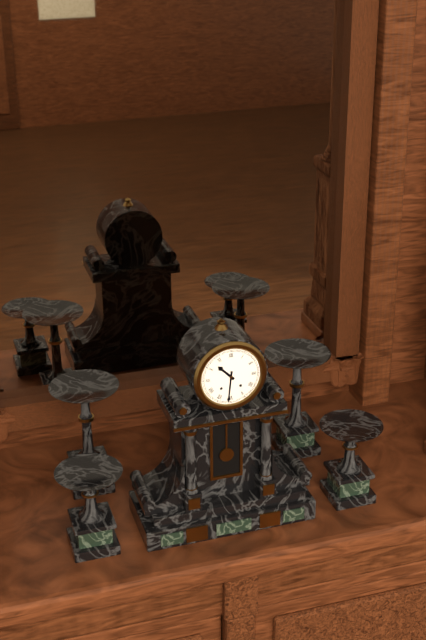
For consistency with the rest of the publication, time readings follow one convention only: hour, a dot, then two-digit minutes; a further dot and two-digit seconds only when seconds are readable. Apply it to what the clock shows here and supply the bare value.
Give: 10.31
